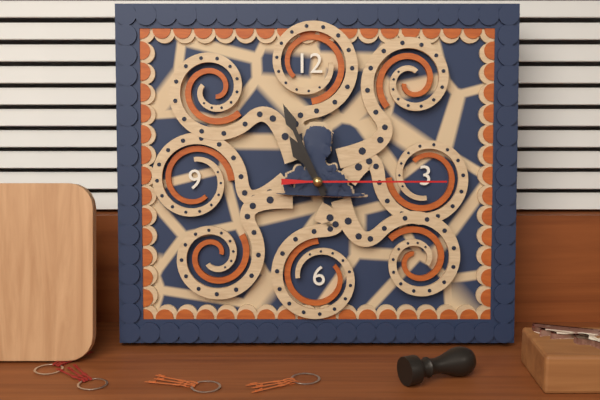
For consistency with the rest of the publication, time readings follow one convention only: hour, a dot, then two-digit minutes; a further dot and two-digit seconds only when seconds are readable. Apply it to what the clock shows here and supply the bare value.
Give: 10.56.15
